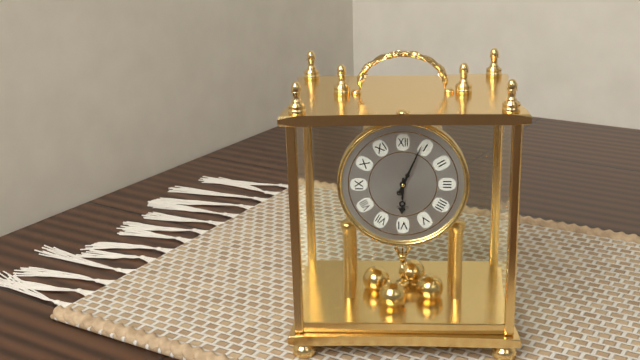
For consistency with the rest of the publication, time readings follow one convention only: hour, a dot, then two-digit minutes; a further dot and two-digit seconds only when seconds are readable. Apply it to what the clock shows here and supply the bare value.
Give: 6.04
